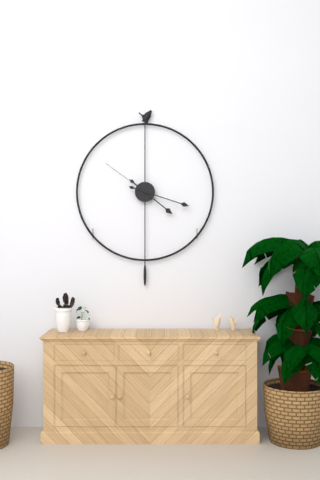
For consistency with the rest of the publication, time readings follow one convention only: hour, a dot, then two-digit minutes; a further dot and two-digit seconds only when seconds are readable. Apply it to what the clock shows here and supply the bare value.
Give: 4.18.51
